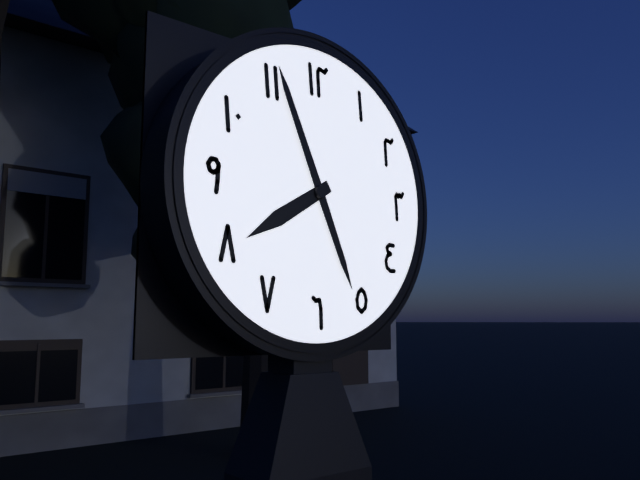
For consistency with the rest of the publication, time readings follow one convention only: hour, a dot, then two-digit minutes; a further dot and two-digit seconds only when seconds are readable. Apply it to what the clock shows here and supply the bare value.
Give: 7.56
